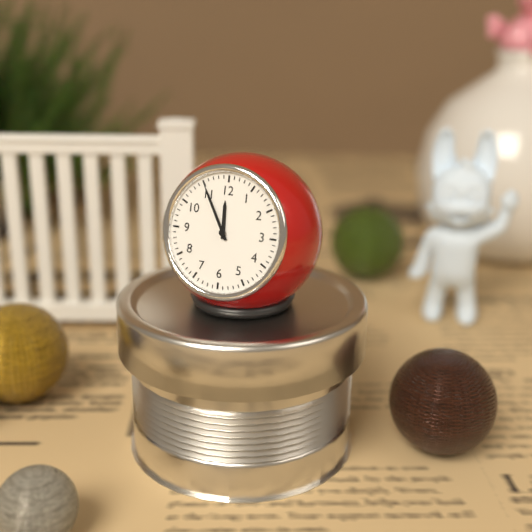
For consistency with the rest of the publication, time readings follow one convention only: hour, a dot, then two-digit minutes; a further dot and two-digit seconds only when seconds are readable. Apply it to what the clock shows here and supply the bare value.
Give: 11.55
